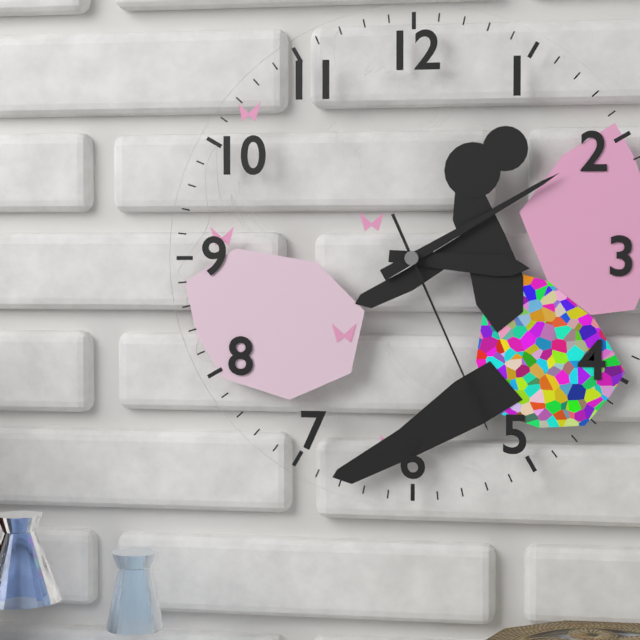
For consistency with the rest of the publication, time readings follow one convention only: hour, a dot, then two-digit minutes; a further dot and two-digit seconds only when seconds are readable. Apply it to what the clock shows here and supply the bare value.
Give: 3.10.26
